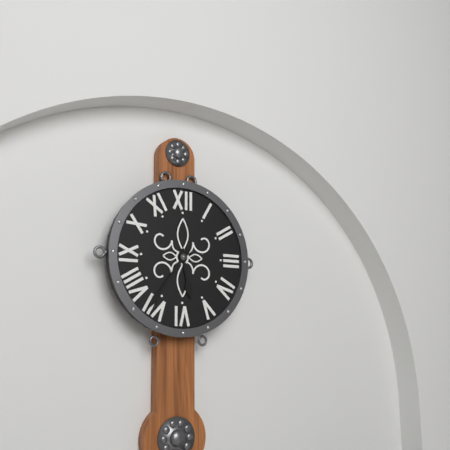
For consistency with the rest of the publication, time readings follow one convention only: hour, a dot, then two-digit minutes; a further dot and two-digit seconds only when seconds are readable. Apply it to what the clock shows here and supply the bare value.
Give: 5.36
